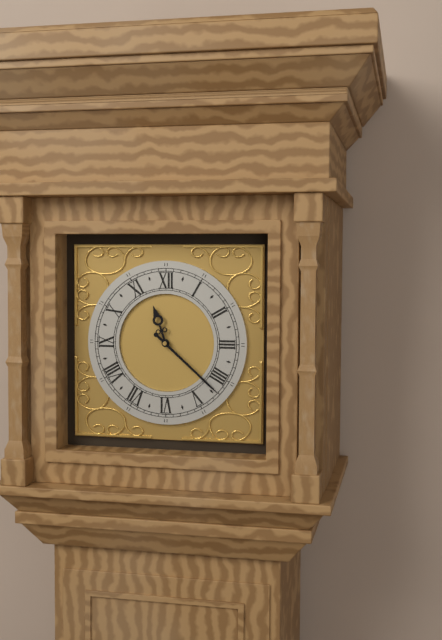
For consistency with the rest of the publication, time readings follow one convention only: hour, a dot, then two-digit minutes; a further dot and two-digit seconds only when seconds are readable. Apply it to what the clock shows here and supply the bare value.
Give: 11.22
